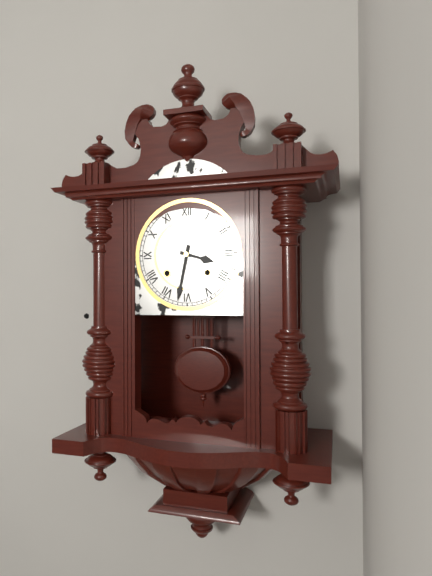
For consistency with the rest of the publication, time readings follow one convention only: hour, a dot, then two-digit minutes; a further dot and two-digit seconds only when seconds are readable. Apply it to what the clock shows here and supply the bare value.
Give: 3.32
